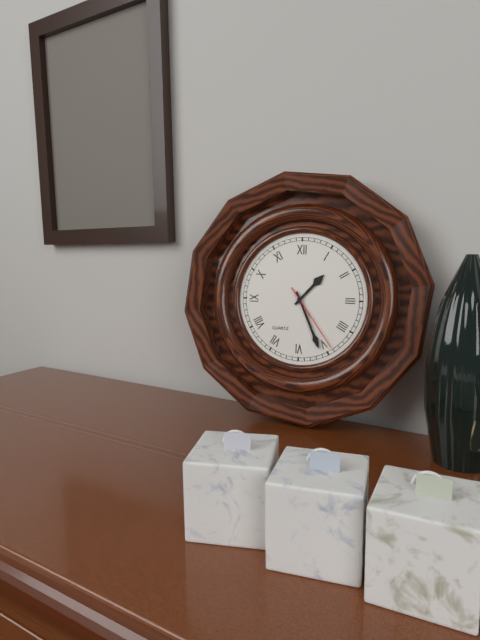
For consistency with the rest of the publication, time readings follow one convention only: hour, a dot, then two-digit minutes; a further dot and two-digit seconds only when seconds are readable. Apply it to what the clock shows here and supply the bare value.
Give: 1.26.24
